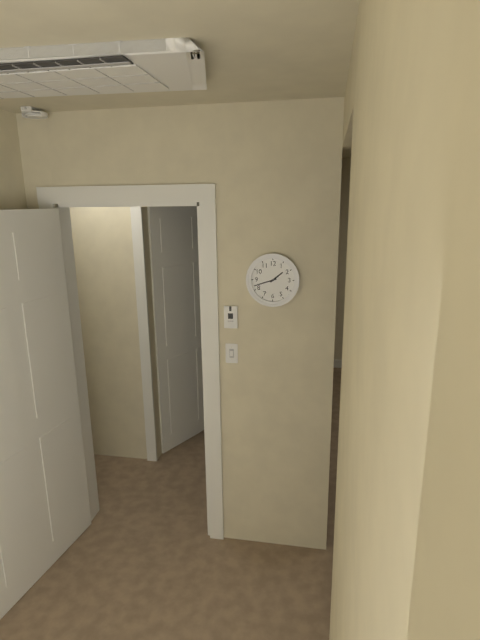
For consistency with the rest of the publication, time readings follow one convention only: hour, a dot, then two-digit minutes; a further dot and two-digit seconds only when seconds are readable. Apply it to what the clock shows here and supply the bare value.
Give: 1.42
